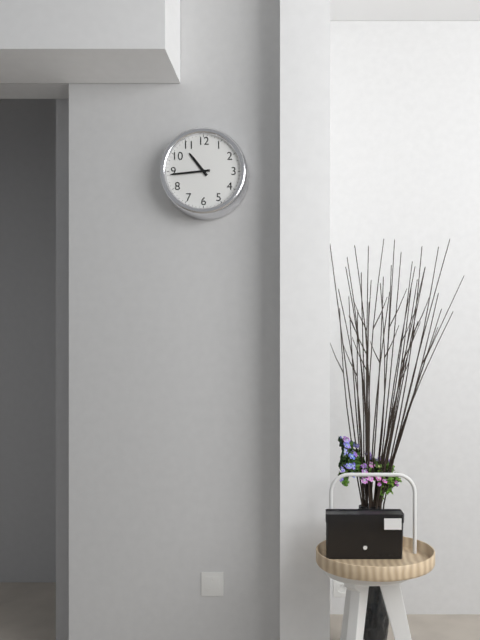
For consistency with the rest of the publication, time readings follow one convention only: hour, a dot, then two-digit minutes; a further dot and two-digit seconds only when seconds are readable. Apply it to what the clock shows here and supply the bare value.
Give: 10.44
